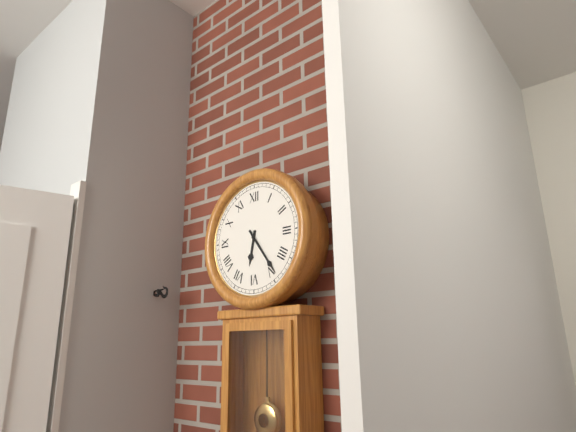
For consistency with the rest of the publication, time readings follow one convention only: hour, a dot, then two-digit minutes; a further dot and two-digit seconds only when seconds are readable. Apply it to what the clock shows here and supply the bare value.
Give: 6.24
